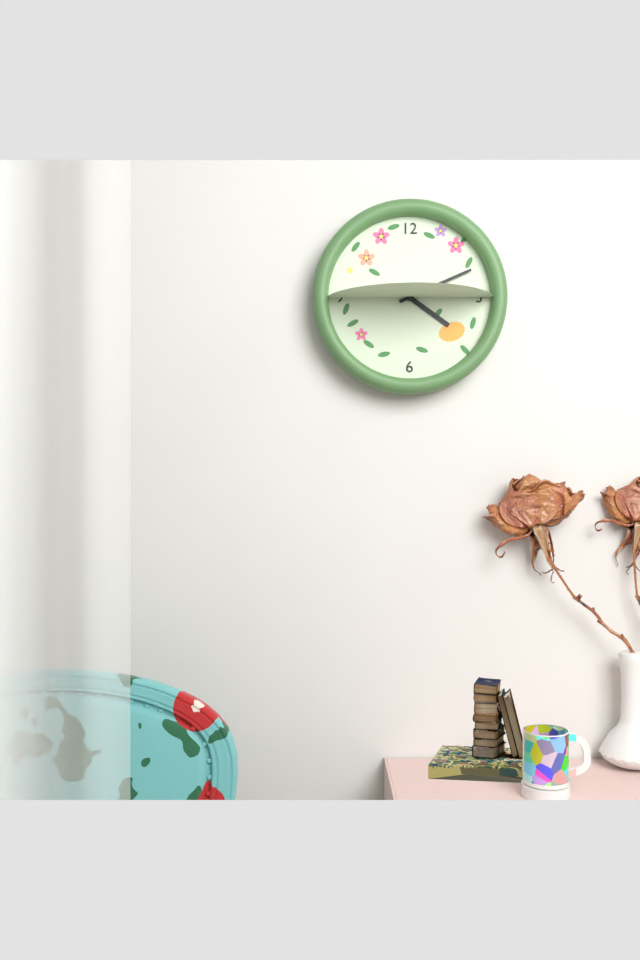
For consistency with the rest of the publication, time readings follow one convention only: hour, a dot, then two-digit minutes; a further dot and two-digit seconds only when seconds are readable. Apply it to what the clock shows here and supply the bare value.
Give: 4.11
